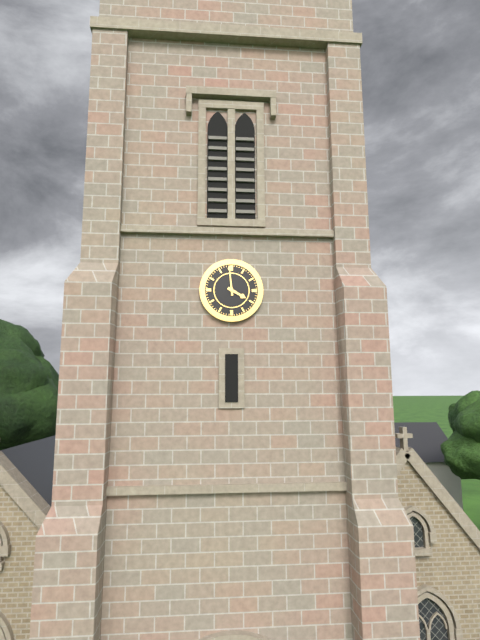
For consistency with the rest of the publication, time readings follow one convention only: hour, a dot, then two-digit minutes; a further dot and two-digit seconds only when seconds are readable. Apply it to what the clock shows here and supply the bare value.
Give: 3.59
